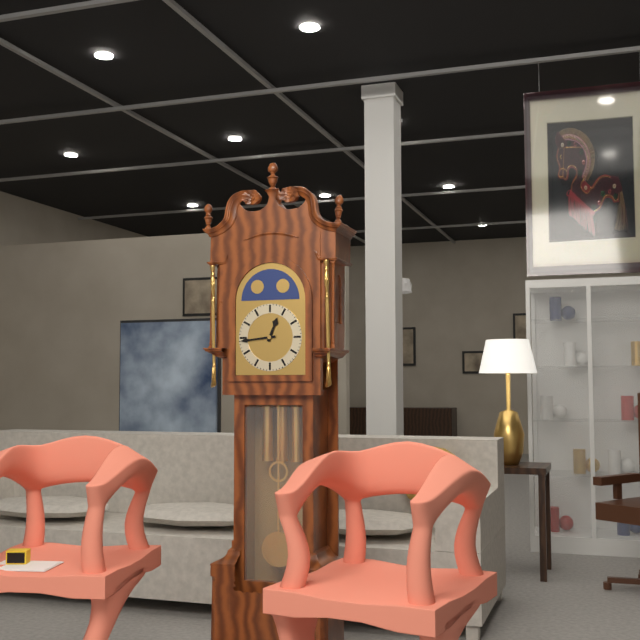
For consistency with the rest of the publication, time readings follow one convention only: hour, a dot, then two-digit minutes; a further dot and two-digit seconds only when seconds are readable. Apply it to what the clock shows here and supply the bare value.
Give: 12.44
